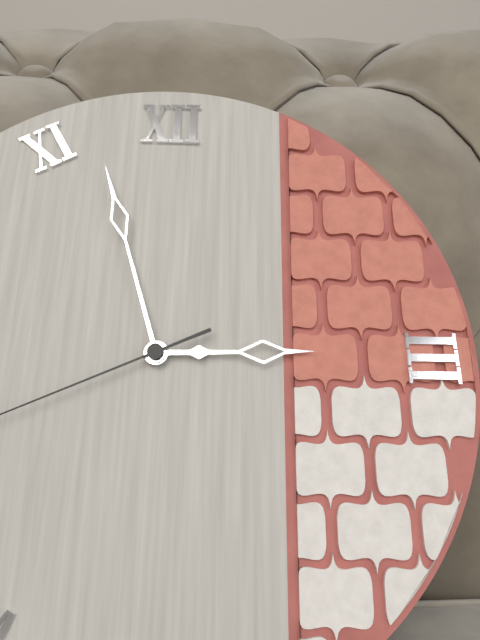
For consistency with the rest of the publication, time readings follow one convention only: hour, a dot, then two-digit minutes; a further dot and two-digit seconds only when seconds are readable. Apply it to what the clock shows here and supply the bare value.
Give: 2.57
